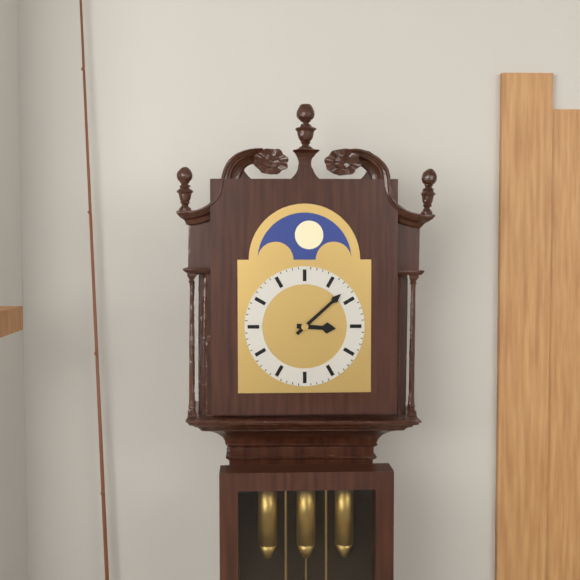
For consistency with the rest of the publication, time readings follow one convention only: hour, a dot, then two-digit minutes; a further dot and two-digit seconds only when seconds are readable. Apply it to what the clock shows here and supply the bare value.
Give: 3.08
